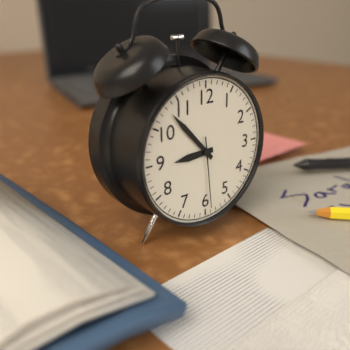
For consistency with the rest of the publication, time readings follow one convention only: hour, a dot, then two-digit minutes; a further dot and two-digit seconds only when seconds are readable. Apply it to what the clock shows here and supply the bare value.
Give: 8.53.29
